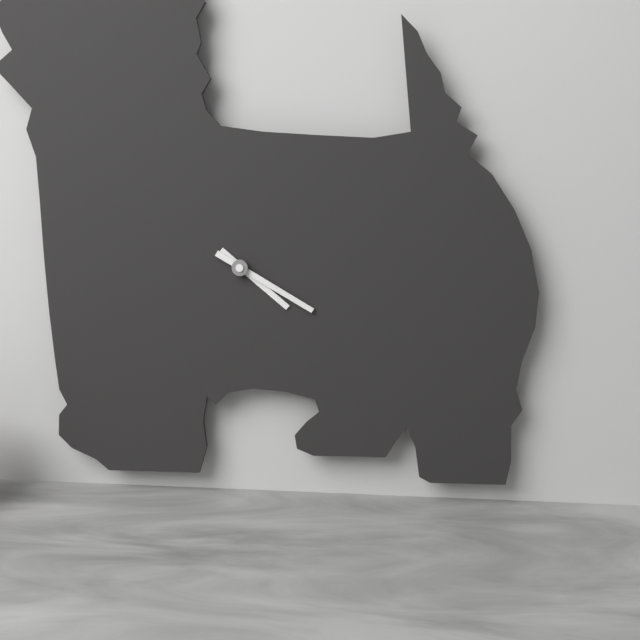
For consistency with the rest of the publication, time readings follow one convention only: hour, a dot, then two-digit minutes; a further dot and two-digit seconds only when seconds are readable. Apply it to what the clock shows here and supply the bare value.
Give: 4.20
